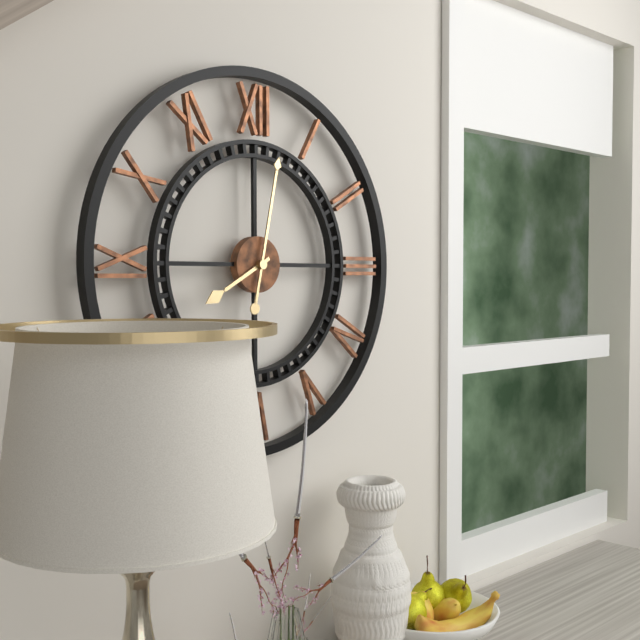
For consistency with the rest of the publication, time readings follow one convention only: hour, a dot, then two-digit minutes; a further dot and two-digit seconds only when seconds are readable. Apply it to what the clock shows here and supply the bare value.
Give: 8.02
